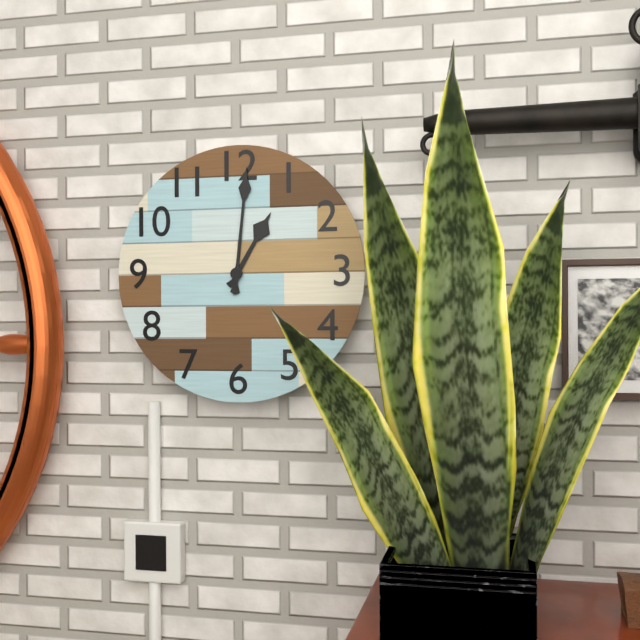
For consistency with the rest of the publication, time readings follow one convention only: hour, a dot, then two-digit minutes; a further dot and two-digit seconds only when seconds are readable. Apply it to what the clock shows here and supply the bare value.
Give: 1.01
